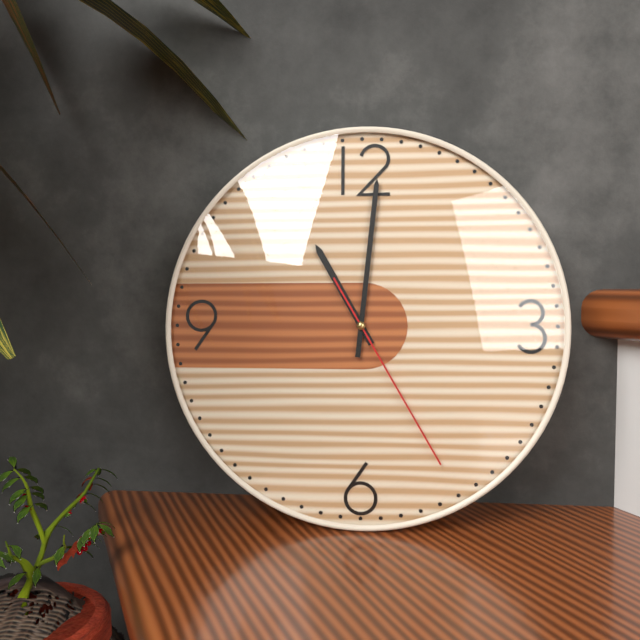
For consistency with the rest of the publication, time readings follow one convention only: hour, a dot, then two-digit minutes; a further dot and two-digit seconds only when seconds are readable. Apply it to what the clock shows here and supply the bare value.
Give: 11.01.25
